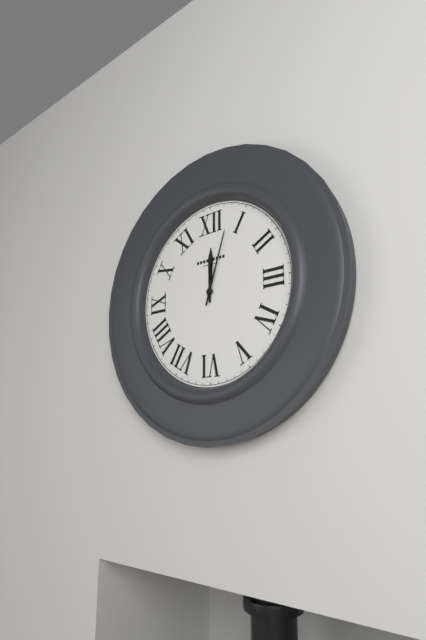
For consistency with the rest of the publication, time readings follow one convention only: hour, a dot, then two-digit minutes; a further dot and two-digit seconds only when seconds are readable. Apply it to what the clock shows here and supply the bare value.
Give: 12.03
